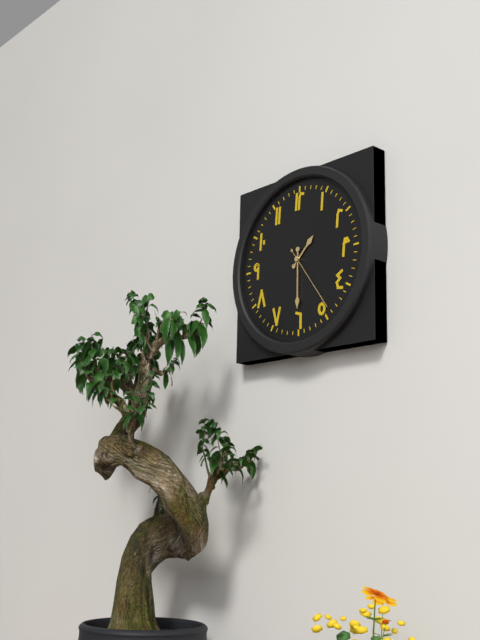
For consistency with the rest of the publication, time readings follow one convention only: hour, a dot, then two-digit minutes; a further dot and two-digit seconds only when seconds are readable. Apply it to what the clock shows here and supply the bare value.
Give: 1.30.24
